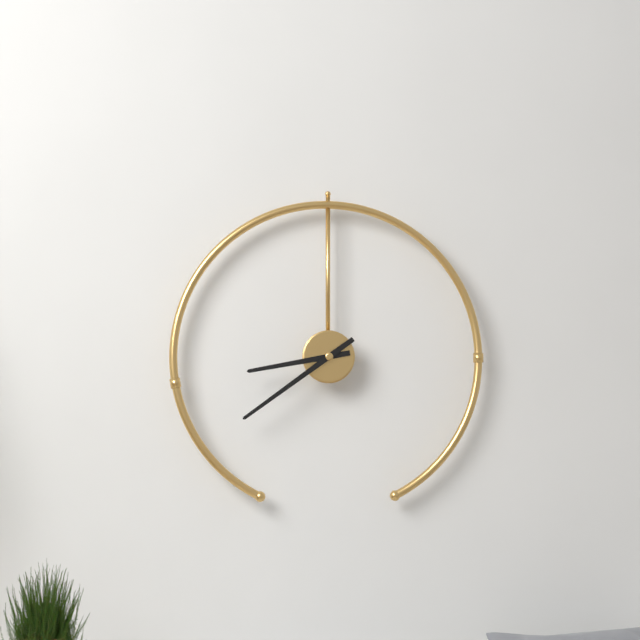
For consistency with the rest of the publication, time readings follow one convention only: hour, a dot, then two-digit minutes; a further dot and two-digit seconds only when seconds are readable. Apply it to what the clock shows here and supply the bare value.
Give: 8.39
